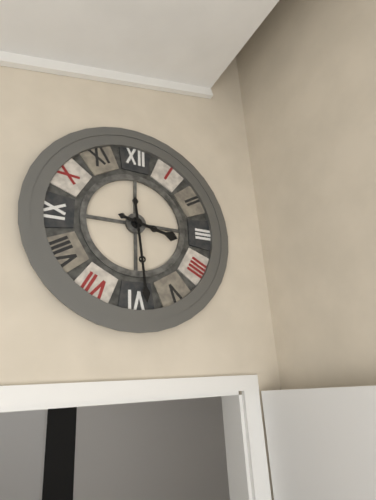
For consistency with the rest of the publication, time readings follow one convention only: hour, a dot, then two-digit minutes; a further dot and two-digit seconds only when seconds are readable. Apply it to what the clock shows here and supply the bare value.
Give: 3.29
